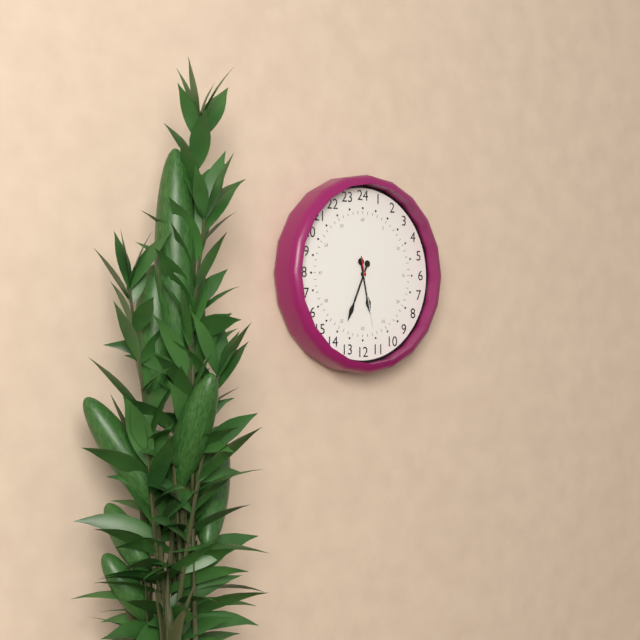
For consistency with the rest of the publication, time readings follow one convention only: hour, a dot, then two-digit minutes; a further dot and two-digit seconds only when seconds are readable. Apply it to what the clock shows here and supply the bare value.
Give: 5.34.28
